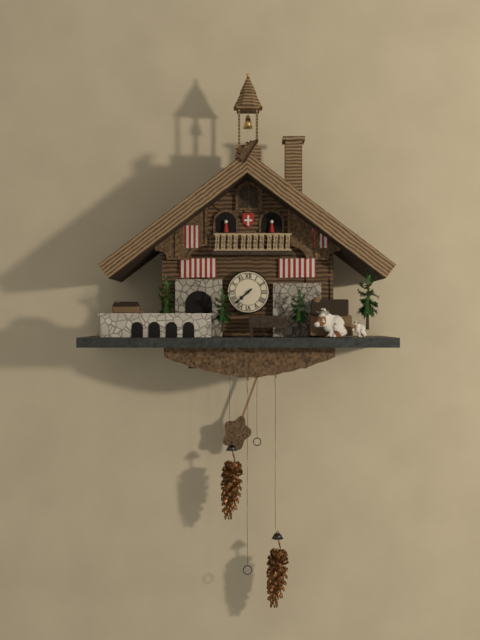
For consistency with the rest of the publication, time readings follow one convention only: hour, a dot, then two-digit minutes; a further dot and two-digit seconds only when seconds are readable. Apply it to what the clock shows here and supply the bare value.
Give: 7.38
